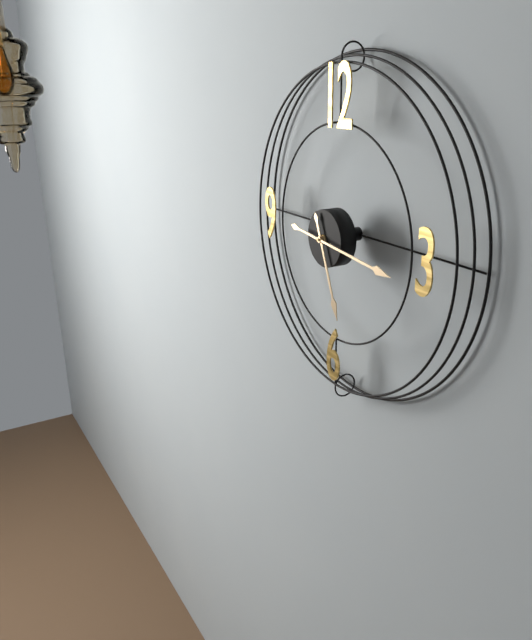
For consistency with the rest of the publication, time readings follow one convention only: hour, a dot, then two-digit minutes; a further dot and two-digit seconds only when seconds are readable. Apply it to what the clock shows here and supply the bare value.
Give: 5.16
